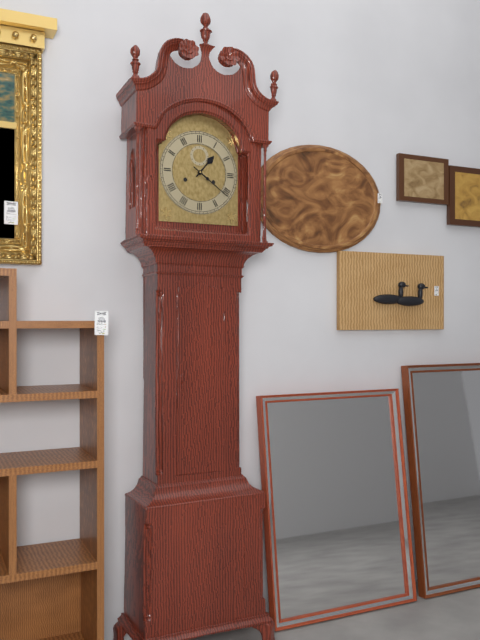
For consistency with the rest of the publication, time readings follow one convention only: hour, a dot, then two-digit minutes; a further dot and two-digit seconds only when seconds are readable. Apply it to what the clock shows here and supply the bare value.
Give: 1.21
